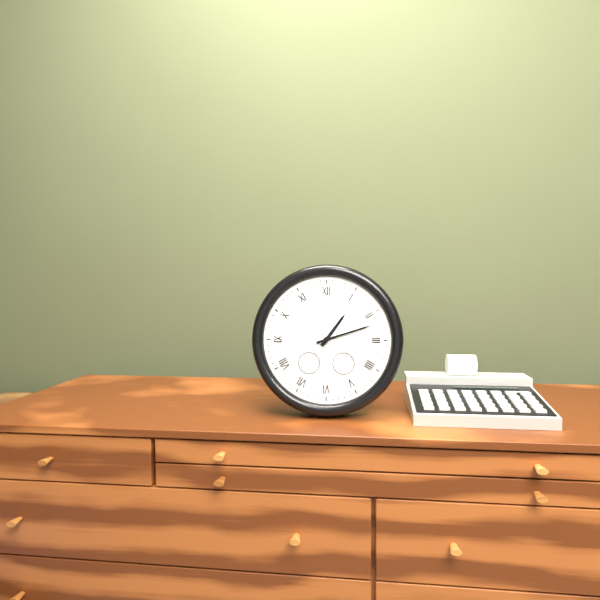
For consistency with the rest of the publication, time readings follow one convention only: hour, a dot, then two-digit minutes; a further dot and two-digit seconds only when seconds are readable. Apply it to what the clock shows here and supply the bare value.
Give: 1.12
